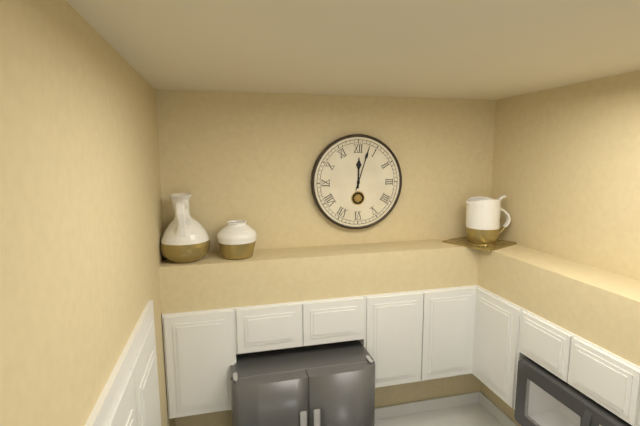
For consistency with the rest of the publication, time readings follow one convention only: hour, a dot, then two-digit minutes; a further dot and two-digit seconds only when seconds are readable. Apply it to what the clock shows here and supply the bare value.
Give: 12.03
